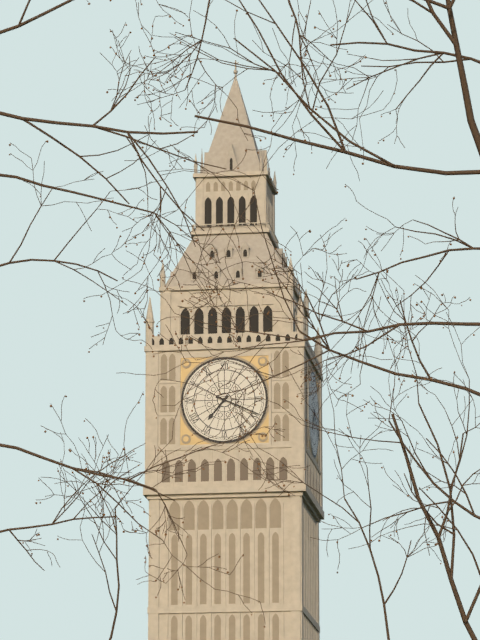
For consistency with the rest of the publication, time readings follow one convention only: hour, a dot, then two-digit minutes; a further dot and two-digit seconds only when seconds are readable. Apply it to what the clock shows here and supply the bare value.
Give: 7.19
